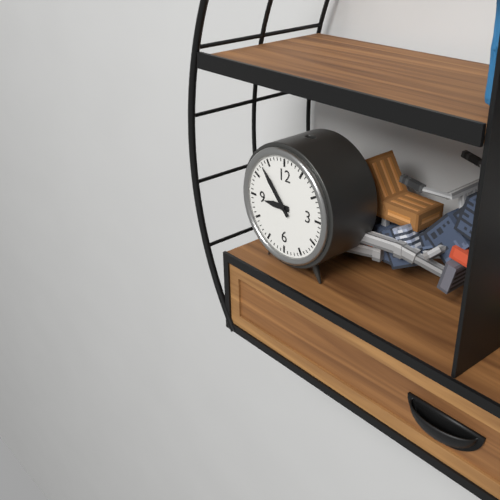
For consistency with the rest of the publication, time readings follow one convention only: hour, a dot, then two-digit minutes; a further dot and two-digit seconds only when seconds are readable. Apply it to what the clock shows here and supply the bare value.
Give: 8.53
